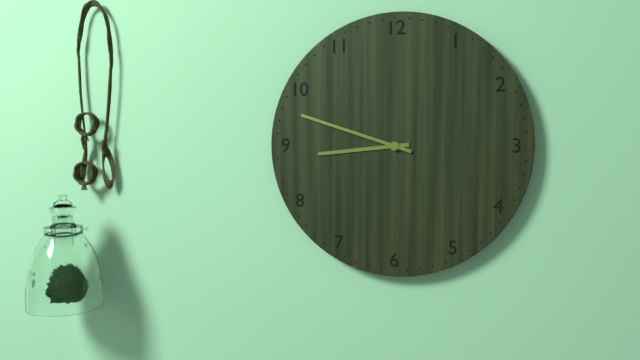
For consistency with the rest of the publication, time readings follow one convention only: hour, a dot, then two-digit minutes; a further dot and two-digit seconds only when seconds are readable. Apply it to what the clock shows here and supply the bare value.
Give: 8.48
